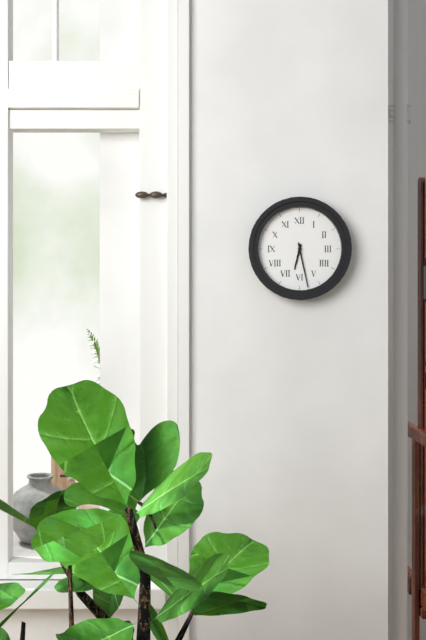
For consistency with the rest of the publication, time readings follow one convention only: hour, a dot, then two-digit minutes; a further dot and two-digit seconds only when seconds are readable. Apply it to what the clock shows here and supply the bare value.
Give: 6.28
